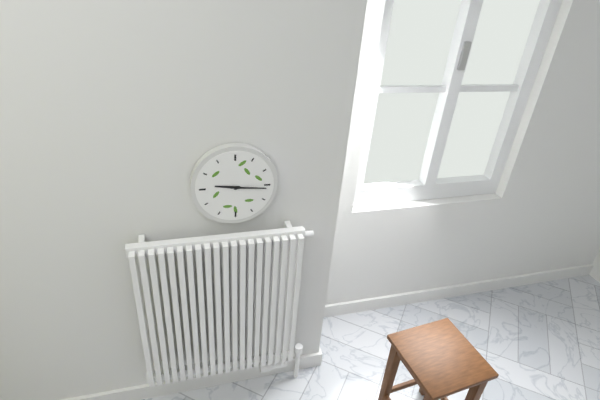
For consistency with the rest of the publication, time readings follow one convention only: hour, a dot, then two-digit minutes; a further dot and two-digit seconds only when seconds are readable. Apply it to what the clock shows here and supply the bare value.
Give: 9.16
